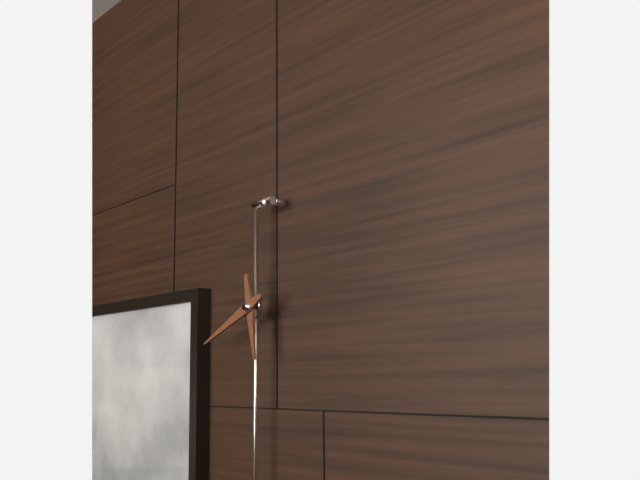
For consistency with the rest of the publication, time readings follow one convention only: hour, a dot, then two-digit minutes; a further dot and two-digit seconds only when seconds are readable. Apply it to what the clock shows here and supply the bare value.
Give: 5.41
